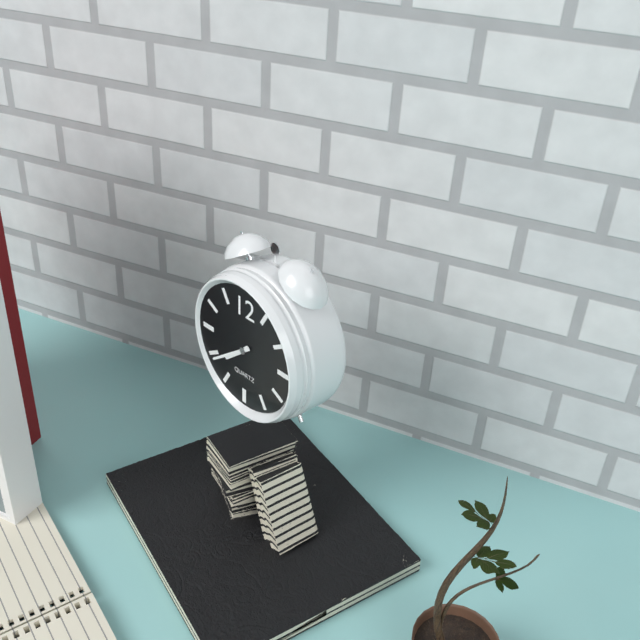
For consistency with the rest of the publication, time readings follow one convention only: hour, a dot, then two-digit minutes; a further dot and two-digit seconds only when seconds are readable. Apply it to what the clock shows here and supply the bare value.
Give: 7.39
